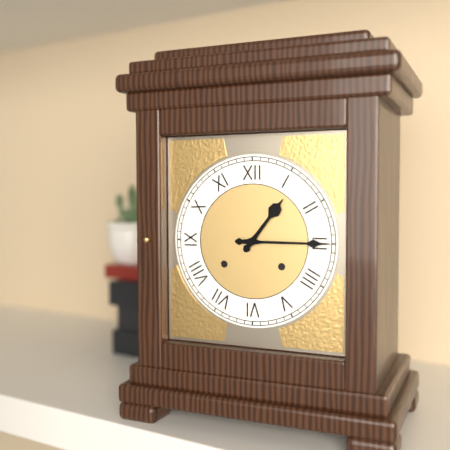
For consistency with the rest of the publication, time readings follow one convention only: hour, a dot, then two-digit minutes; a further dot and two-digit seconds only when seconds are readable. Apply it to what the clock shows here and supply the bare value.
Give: 1.15
